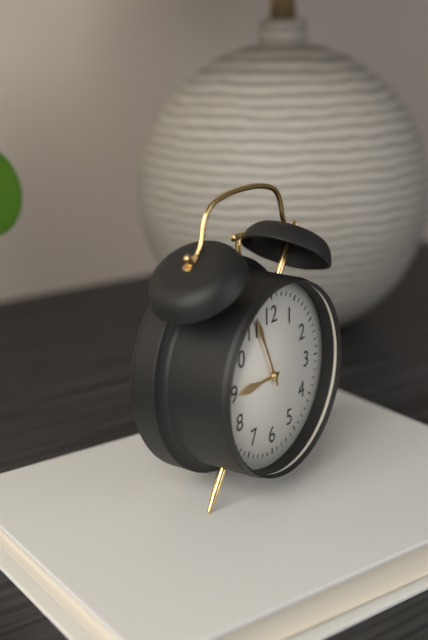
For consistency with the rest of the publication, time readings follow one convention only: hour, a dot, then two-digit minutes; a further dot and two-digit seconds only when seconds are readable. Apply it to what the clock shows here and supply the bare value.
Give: 8.56
